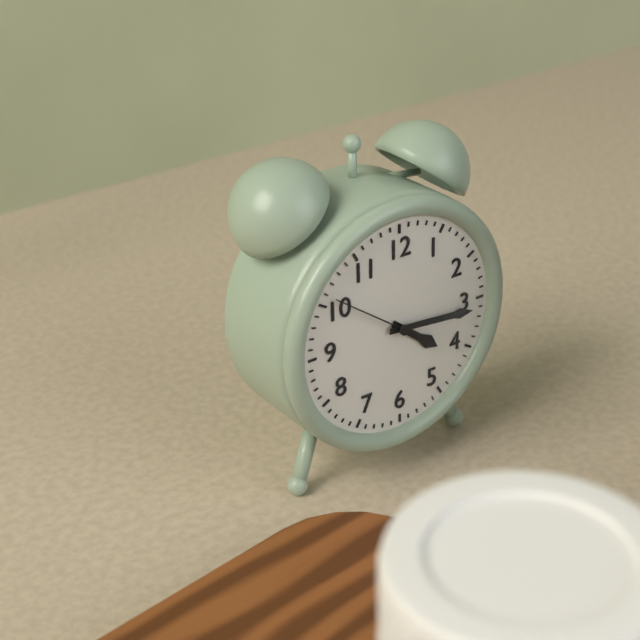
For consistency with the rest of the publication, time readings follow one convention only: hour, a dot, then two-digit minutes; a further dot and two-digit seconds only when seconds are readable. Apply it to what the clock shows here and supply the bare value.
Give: 4.16.51
